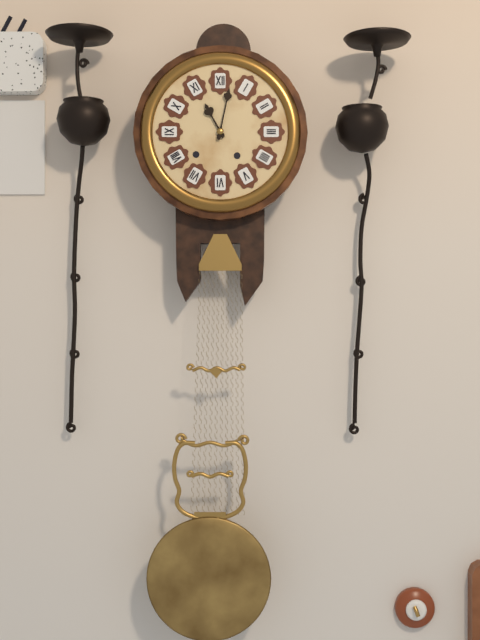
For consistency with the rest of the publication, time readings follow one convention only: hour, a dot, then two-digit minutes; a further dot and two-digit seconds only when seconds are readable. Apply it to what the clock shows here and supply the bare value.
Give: 11.02
